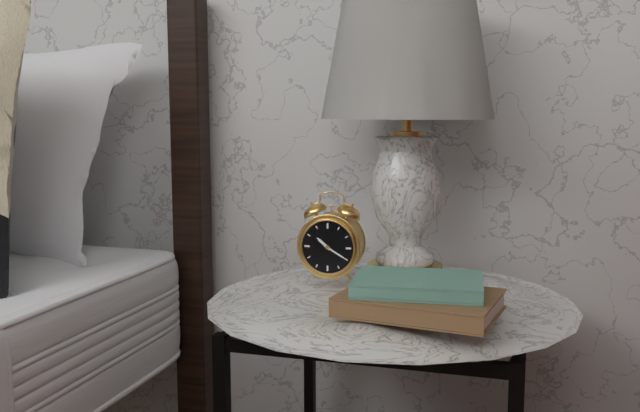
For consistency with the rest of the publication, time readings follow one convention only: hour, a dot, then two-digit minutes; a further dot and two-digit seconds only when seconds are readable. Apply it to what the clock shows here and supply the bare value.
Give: 10.20
